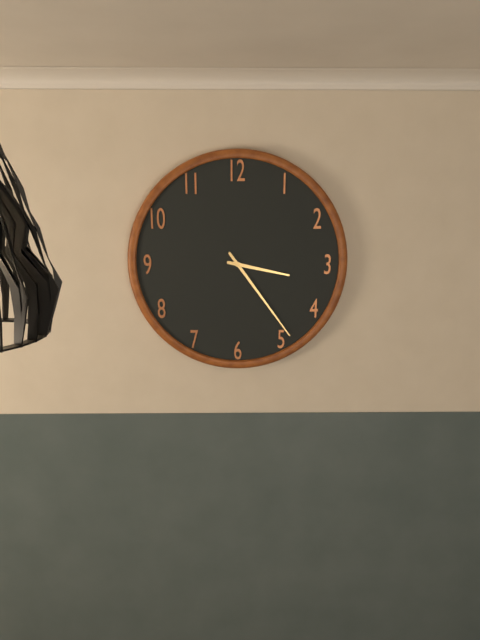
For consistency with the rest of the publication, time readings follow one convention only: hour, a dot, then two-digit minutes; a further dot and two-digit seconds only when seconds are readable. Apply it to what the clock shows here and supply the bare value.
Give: 3.24
